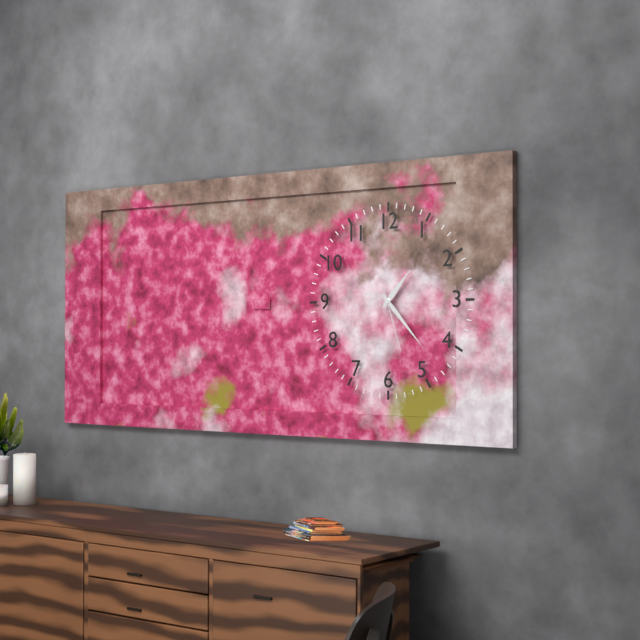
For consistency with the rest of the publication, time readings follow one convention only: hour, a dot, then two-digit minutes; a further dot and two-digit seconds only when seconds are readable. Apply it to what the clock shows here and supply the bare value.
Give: 1.23.27
